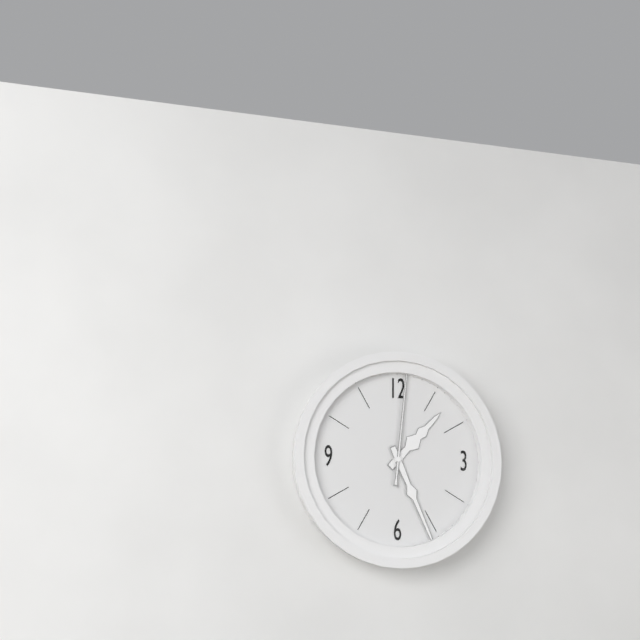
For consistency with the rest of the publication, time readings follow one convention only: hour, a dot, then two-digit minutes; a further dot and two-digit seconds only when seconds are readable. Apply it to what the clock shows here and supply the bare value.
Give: 1.26.01
